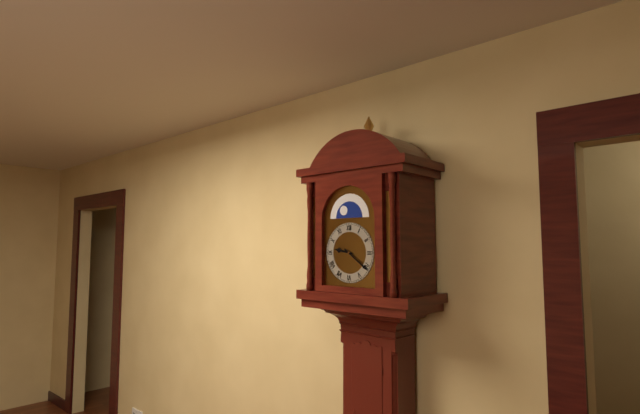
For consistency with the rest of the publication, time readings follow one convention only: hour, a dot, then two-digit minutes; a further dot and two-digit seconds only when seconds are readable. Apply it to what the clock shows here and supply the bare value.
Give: 9.21
